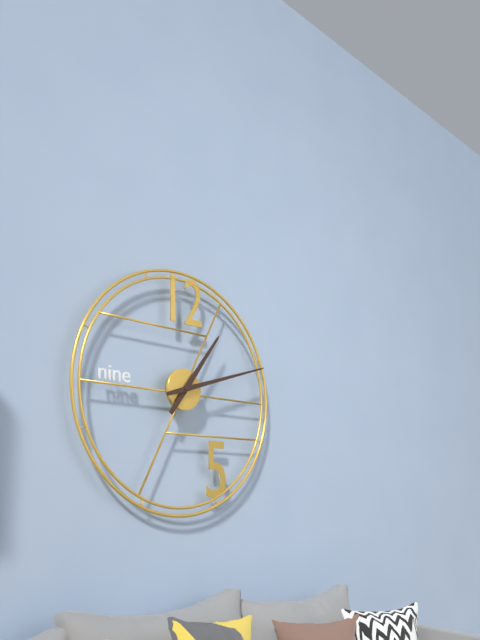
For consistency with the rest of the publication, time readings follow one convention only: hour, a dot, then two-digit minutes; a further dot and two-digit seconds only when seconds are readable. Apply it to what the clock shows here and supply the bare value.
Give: 1.12
